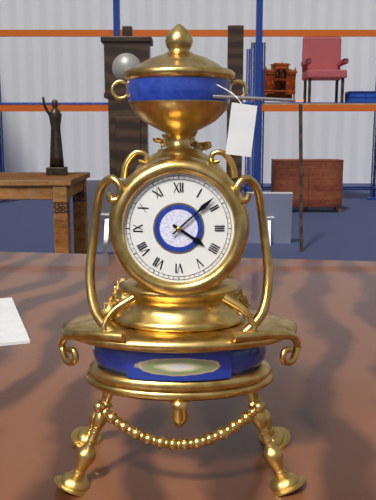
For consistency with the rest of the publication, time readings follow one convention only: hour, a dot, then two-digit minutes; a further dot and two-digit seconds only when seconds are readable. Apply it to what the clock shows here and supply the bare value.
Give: 4.08
